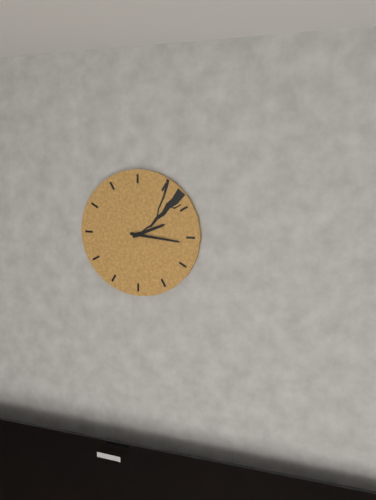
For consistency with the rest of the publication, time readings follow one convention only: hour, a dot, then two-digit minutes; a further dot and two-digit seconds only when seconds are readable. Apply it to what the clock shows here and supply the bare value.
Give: 2.16
